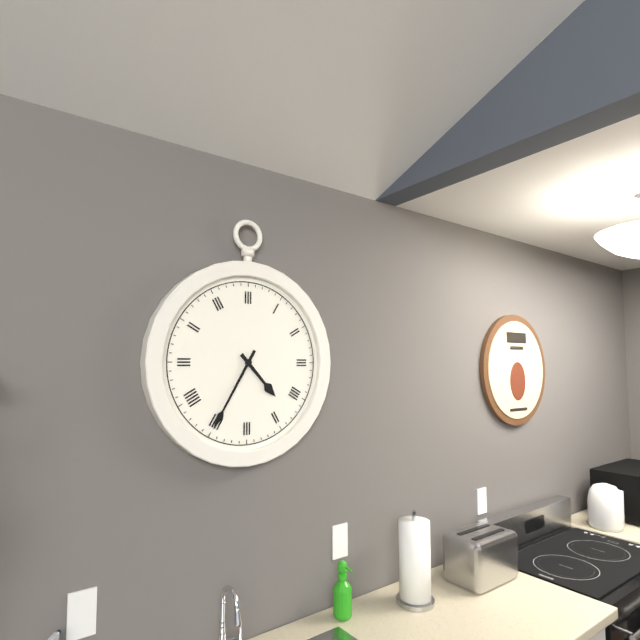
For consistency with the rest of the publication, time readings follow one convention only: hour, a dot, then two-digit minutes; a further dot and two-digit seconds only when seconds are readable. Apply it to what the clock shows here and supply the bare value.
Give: 4.35
